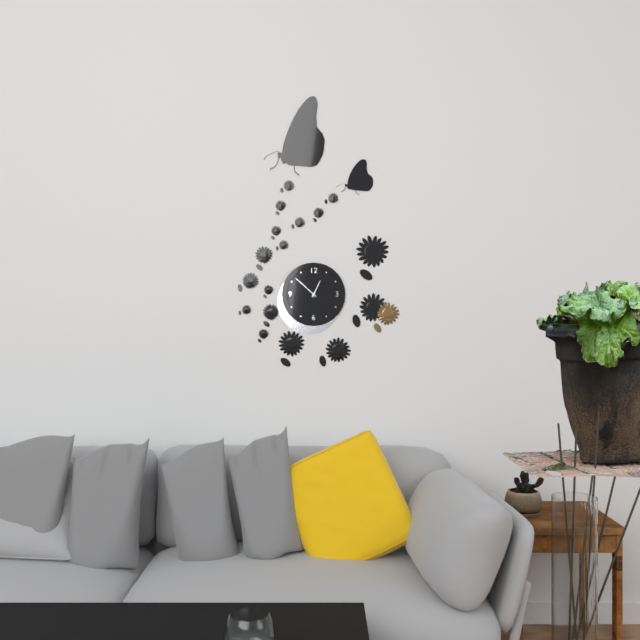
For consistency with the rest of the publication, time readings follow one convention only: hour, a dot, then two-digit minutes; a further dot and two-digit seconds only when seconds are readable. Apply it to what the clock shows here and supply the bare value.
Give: 12.52
